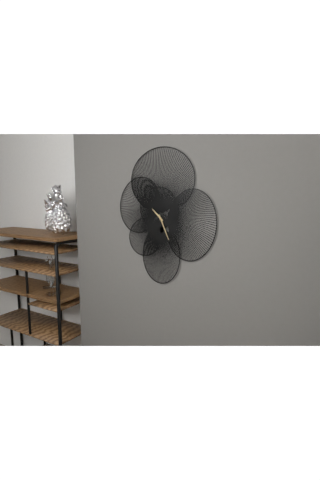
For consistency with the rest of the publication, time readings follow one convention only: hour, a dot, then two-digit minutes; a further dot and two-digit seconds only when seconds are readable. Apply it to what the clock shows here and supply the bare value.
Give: 10.26
